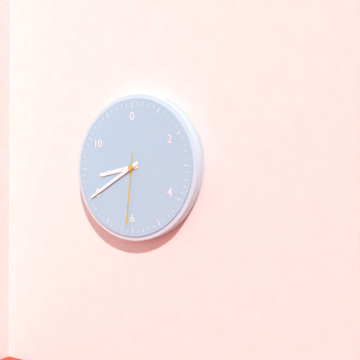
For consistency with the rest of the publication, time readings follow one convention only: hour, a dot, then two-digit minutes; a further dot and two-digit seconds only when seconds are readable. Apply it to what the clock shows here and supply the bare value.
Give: 8.40.31
